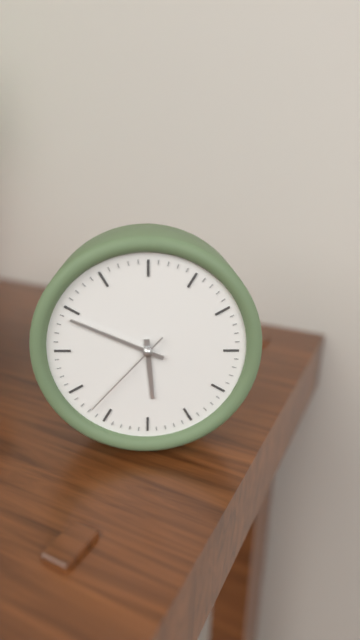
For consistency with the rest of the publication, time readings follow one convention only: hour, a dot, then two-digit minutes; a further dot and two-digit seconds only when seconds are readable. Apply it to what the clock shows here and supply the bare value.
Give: 5.49.37
